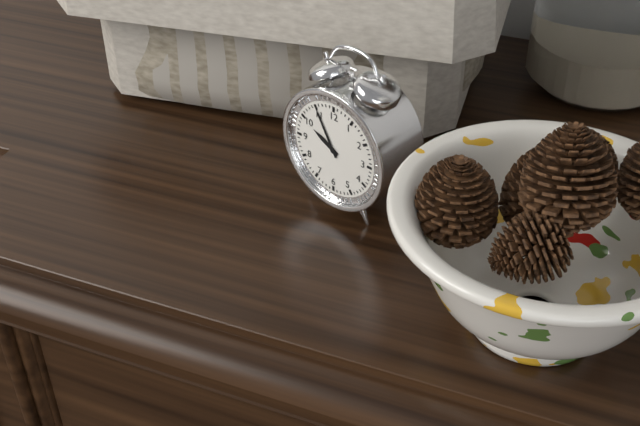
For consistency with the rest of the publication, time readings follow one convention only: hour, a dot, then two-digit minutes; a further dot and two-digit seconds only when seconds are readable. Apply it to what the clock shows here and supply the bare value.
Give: 9.55
